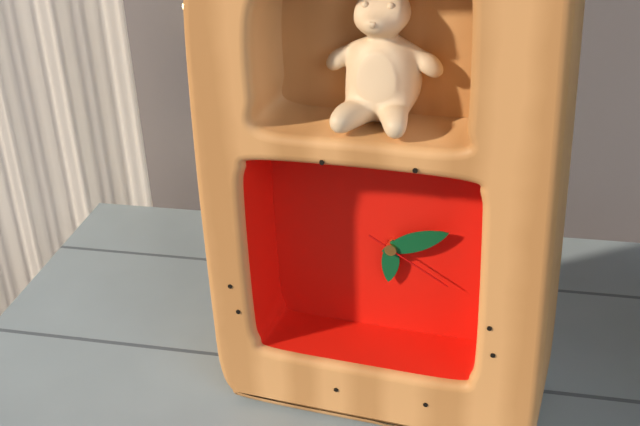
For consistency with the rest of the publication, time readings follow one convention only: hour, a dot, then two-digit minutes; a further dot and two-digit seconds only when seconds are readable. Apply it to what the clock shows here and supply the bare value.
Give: 6.11.20
